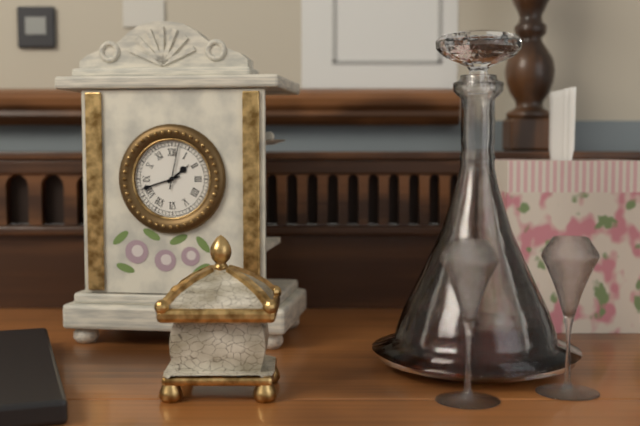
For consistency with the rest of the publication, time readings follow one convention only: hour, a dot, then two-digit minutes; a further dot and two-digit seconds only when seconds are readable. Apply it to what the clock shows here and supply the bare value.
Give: 1.42
